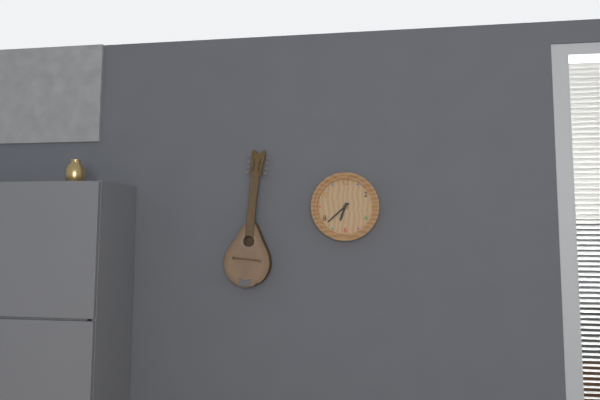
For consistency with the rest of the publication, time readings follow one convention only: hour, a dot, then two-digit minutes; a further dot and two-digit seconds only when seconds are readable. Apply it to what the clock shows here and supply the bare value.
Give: 6.38
